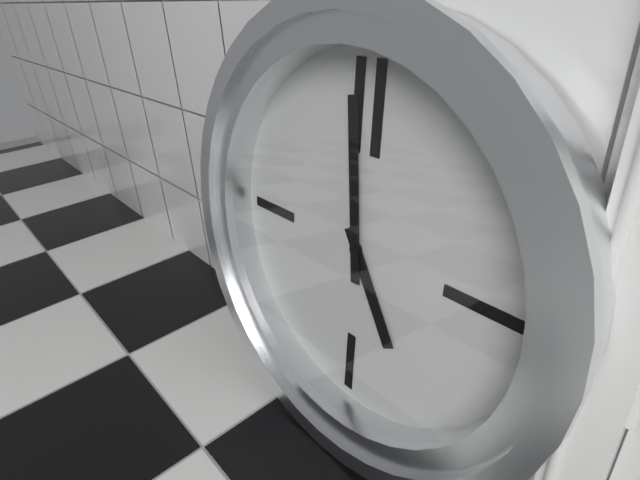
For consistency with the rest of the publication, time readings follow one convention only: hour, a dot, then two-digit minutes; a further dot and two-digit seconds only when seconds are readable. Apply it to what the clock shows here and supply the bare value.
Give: 4.59
